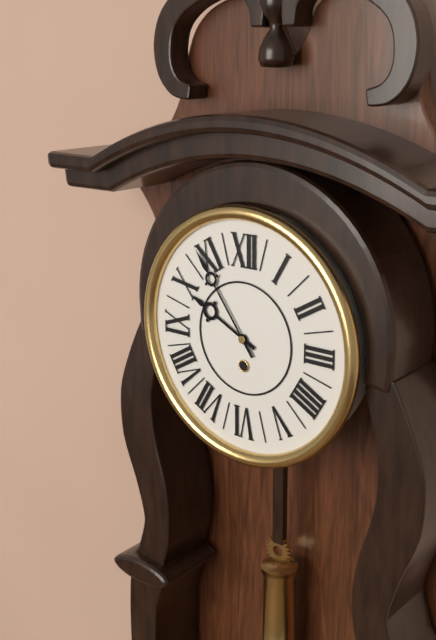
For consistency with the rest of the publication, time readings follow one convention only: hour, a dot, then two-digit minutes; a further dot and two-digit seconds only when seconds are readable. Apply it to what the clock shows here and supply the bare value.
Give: 9.54
